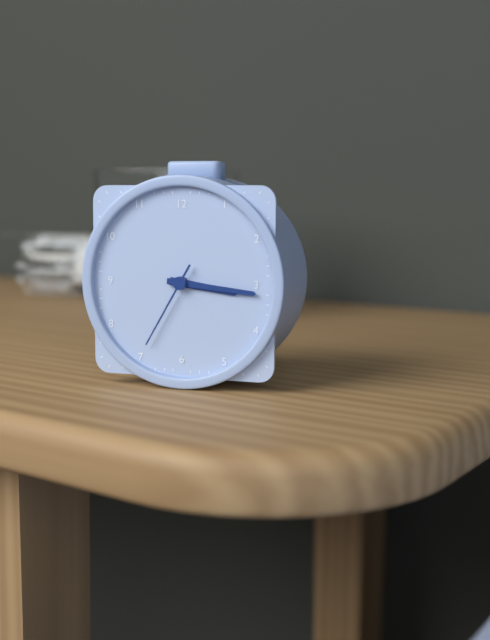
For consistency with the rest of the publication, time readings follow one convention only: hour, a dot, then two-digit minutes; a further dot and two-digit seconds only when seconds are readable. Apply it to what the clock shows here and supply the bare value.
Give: 3.16.35
